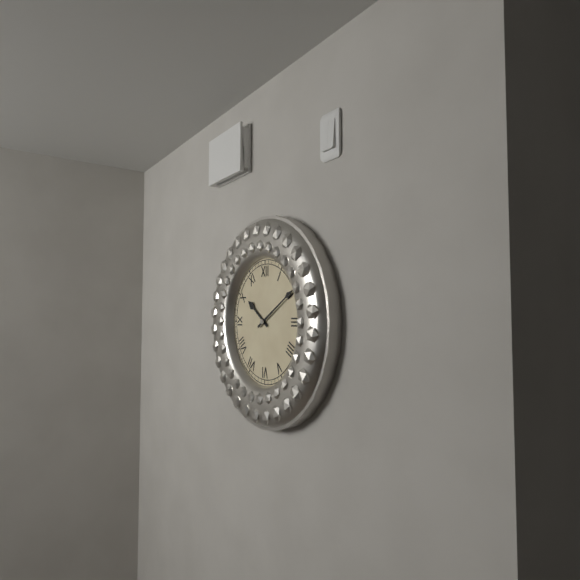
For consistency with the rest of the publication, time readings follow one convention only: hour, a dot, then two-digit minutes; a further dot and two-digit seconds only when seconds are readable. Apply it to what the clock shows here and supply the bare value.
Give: 10.10
